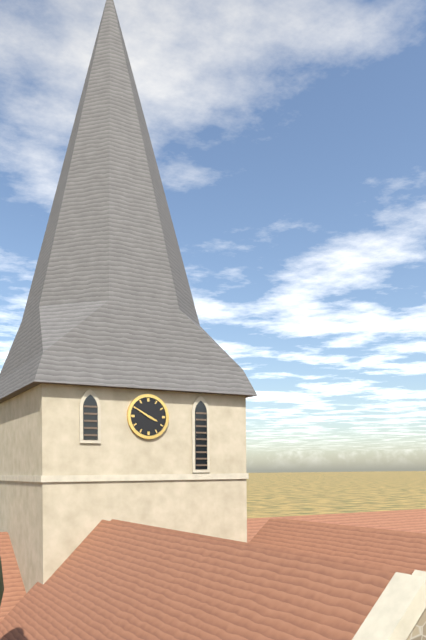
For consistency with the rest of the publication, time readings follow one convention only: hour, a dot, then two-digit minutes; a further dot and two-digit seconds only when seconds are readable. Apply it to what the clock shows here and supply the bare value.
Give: 3.50
